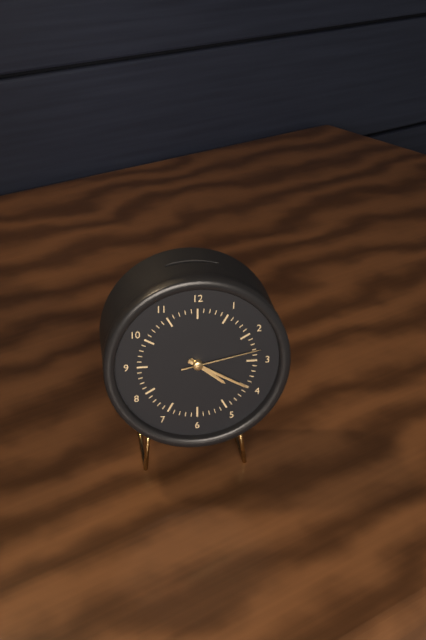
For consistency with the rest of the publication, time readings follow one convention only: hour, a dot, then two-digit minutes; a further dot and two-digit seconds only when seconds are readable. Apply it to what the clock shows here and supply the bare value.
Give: 4.20.13
